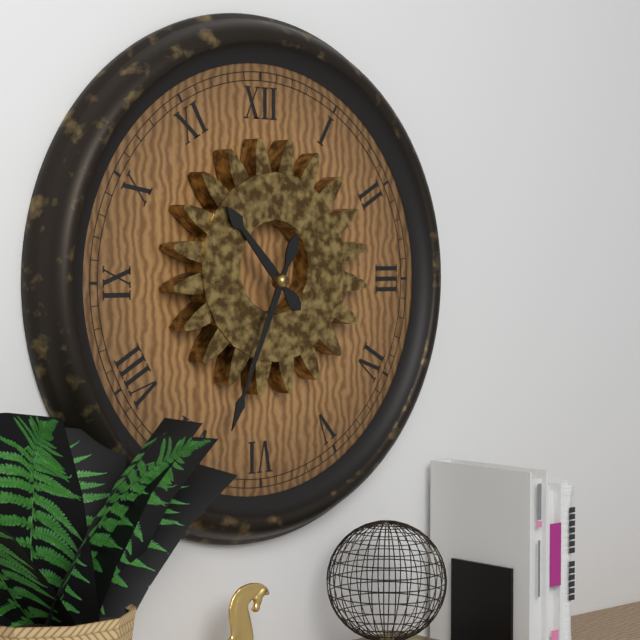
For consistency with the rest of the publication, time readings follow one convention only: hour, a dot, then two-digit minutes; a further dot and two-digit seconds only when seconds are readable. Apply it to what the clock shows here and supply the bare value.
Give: 10.34
